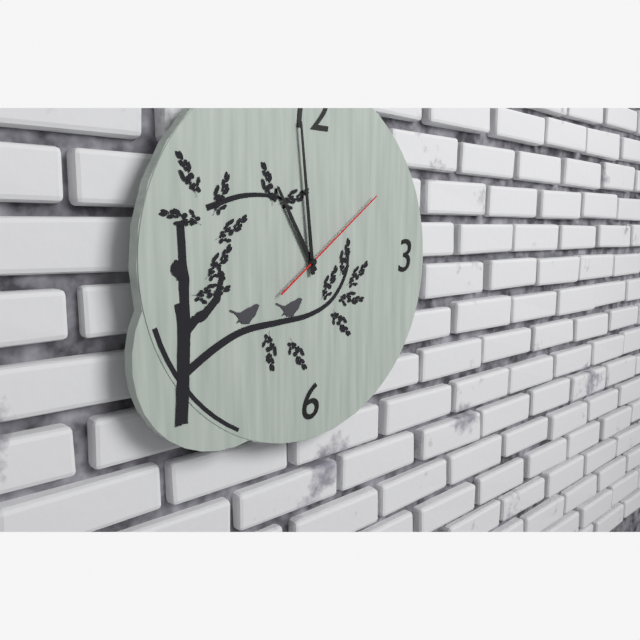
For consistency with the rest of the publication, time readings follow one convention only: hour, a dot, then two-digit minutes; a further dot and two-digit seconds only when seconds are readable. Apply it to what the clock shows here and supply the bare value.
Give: 10.59.09
